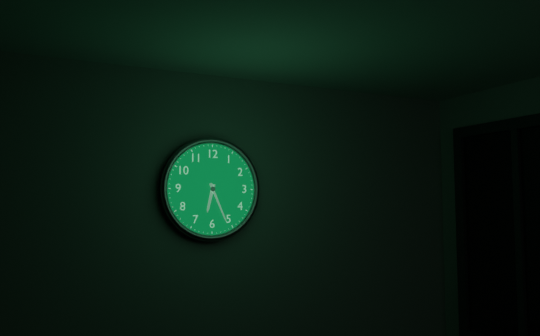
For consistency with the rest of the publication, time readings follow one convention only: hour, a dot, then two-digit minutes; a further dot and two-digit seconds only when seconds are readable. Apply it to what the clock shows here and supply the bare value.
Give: 6.26
